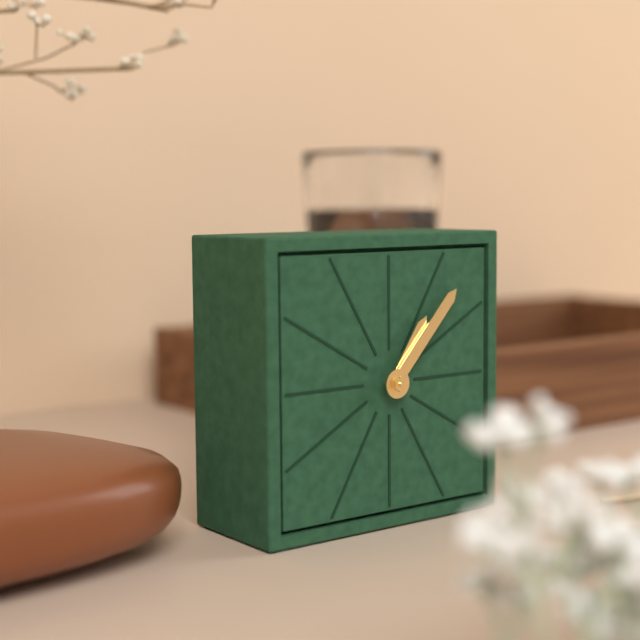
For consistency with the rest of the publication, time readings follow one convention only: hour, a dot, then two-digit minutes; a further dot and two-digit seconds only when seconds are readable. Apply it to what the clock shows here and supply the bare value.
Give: 1.07
